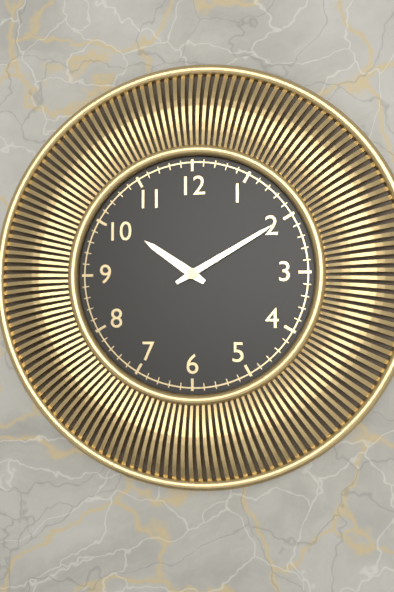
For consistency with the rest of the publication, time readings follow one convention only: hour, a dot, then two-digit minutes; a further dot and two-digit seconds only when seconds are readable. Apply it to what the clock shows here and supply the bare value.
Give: 10.10
